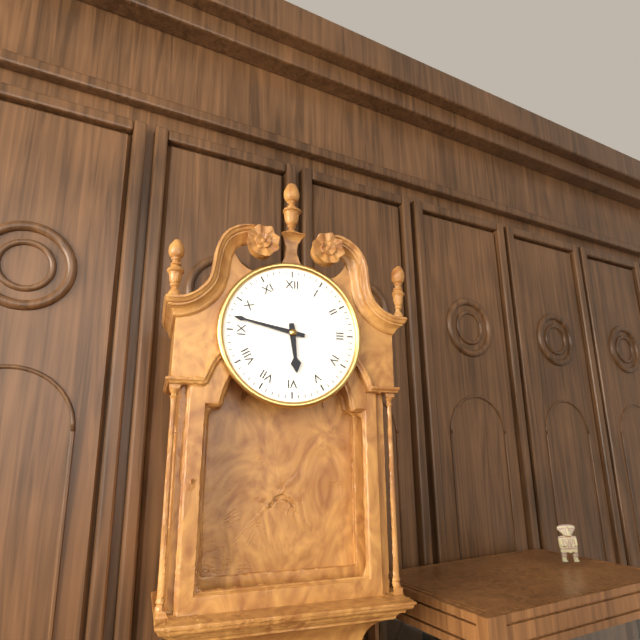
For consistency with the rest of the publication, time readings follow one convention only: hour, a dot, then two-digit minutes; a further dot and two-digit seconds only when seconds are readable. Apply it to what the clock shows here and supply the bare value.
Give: 5.47
